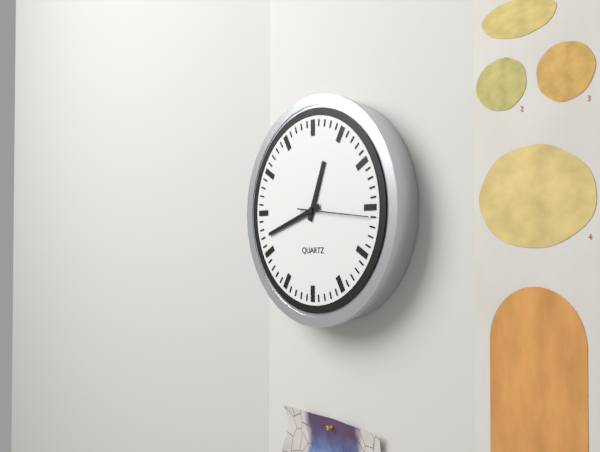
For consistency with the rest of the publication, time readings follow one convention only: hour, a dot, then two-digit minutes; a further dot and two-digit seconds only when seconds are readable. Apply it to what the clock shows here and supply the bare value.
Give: 12.42.16
